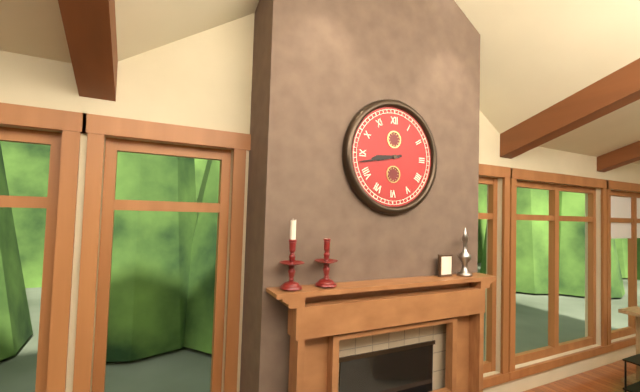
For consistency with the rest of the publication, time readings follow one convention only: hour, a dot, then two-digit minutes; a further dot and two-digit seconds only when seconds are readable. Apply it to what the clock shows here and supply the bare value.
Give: 8.43
